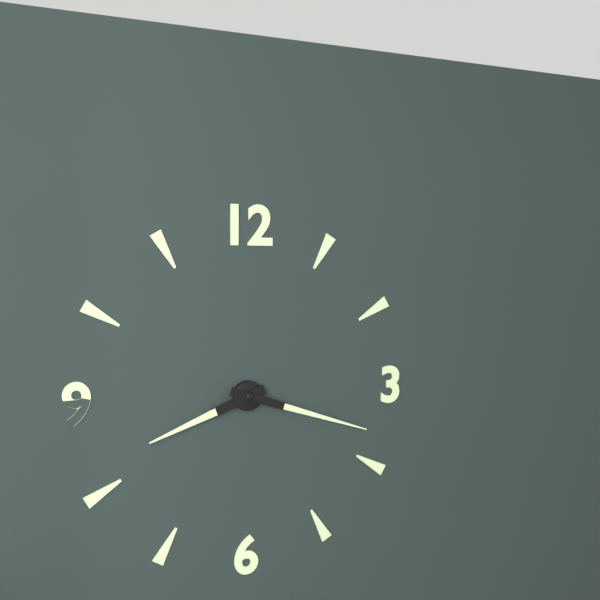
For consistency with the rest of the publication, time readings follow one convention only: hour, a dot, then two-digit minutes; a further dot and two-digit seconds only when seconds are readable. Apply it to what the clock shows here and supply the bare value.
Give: 8.18
